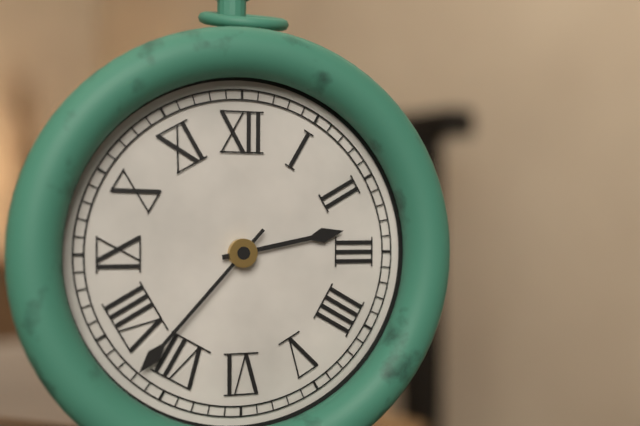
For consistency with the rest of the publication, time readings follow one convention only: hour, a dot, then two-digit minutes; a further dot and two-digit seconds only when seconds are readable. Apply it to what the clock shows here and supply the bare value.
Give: 2.37
